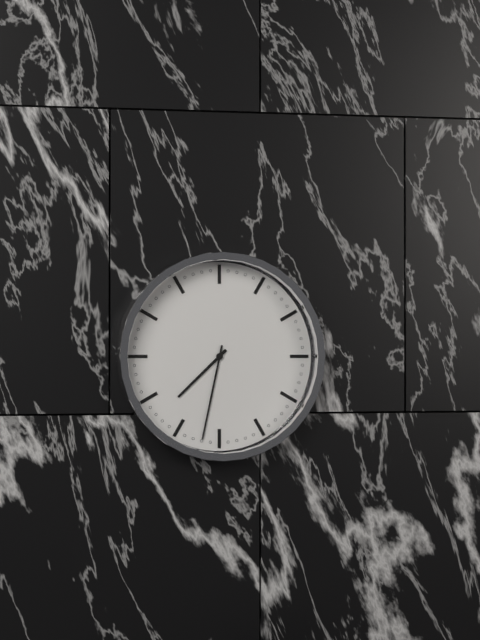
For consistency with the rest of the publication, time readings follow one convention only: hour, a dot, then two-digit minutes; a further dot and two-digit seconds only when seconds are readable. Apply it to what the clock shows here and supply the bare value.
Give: 7.32
